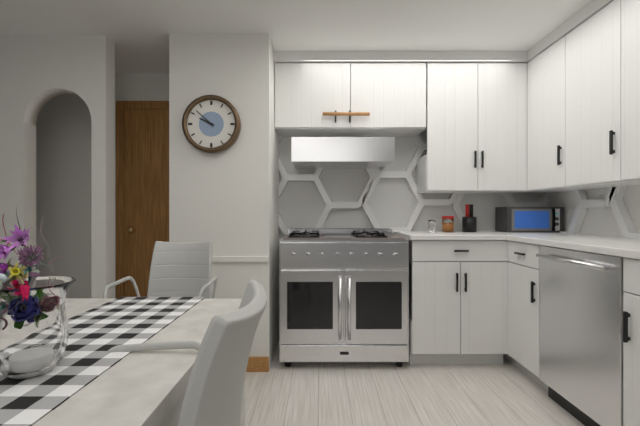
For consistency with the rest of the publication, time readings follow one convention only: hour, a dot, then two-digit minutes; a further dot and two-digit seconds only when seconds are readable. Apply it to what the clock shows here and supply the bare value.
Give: 9.52
